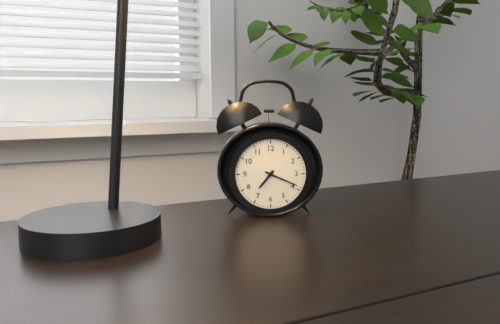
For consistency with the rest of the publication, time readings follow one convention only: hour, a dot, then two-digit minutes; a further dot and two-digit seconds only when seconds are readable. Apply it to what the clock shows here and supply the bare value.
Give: 7.19
